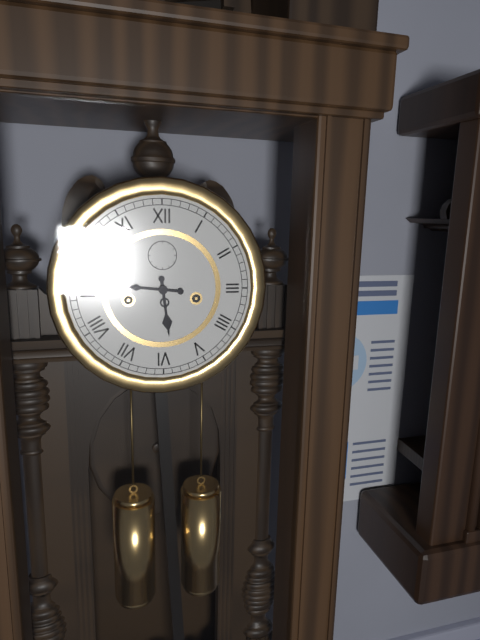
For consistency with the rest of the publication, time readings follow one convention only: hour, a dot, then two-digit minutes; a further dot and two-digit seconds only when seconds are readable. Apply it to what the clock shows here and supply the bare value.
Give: 5.46
